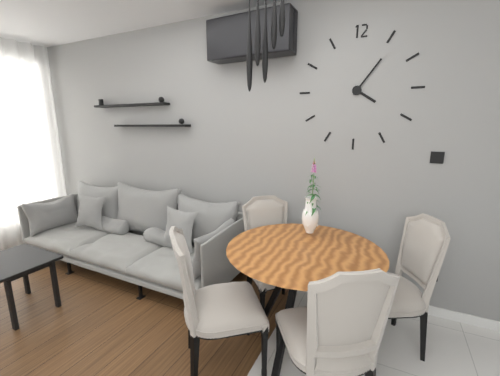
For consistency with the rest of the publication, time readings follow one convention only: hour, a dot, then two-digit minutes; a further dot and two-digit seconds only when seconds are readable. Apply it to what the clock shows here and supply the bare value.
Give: 4.06
